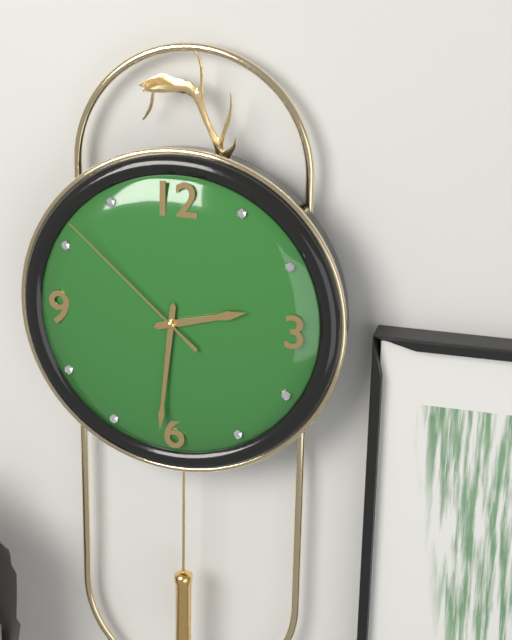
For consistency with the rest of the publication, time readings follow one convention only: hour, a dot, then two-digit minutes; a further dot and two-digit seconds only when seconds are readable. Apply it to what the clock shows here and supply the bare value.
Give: 2.31.52
